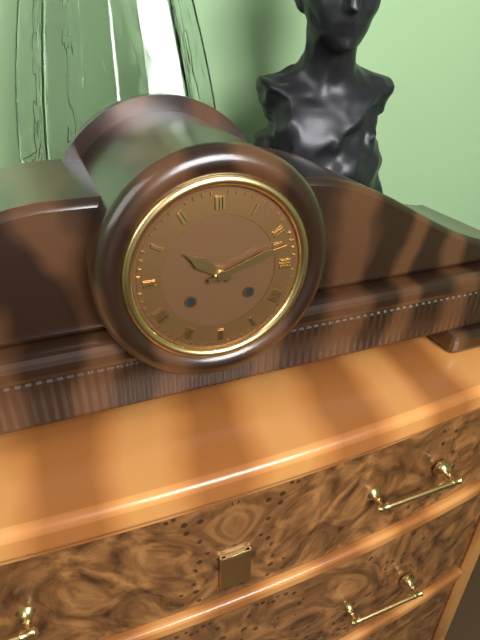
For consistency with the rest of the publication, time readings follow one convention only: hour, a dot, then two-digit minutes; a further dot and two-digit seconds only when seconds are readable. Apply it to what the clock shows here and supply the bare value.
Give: 10.12
